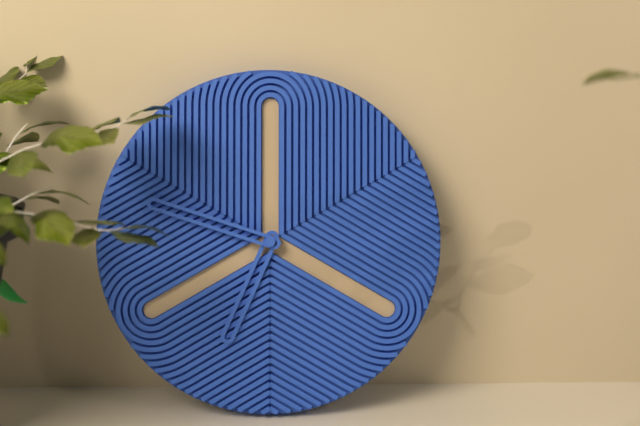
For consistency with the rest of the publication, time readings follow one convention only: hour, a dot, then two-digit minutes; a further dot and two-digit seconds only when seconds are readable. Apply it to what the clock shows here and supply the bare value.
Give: 6.48
